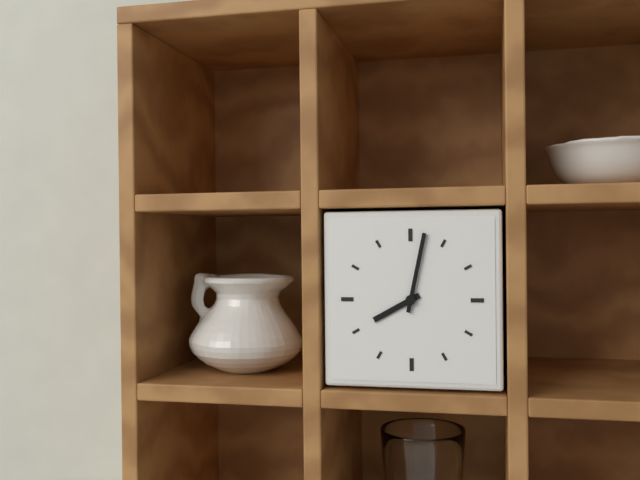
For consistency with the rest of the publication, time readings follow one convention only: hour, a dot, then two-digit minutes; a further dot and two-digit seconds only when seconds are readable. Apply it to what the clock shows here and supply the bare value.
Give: 8.02
